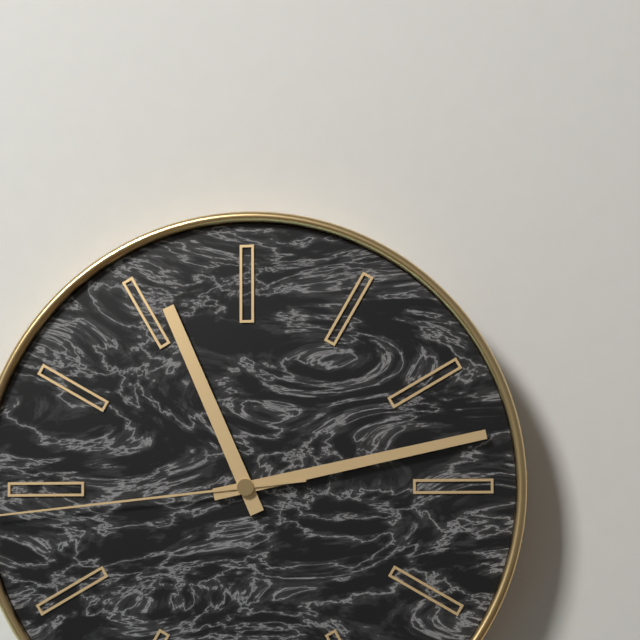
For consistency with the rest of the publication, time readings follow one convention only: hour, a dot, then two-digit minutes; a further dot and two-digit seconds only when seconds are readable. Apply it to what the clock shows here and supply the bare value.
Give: 11.13
